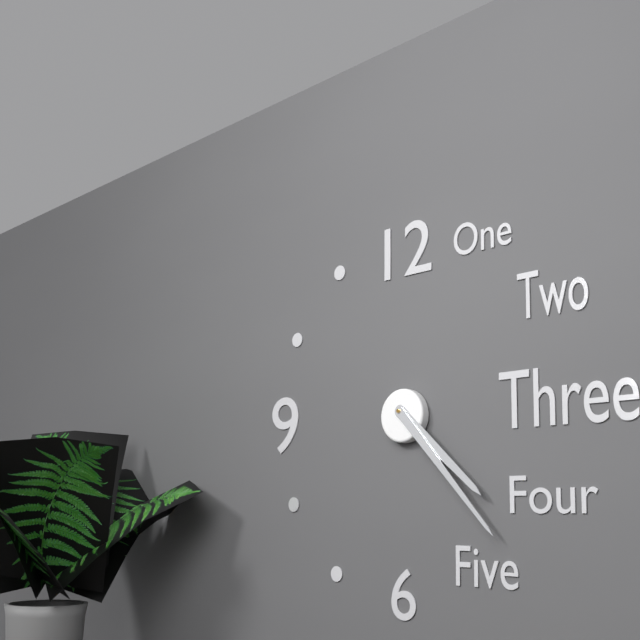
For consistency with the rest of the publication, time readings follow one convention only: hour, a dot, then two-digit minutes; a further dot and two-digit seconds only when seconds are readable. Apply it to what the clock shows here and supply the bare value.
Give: 4.23
